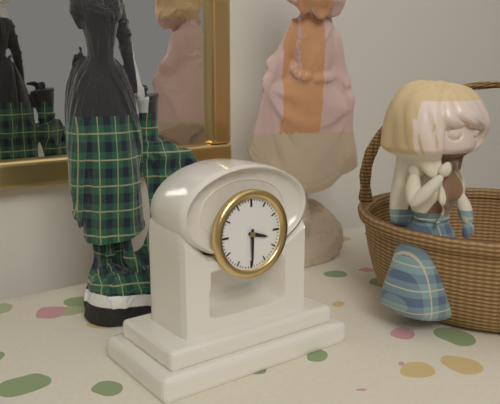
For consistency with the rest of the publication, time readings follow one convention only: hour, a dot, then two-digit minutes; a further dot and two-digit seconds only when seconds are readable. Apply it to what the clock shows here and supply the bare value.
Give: 3.30
